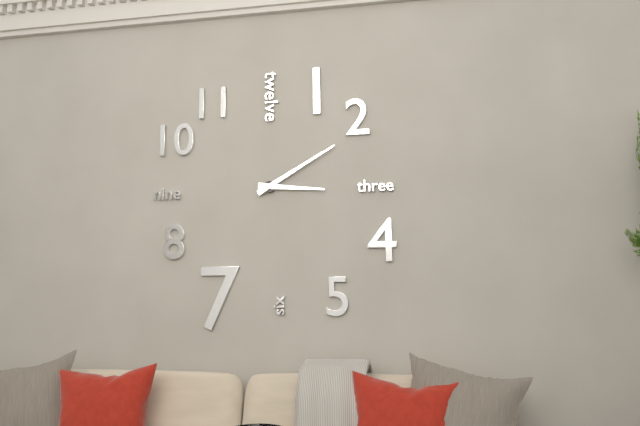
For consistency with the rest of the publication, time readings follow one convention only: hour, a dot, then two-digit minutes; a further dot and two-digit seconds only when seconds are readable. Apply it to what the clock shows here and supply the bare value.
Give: 3.10
